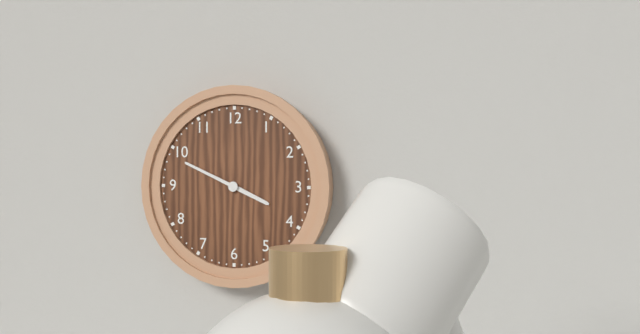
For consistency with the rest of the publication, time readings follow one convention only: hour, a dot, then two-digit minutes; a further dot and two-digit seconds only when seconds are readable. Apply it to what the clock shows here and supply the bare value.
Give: 3.49
